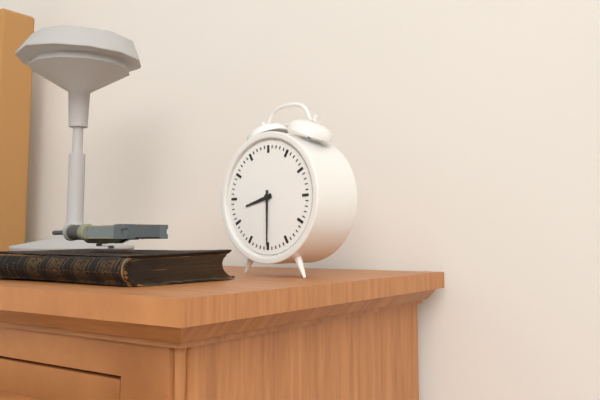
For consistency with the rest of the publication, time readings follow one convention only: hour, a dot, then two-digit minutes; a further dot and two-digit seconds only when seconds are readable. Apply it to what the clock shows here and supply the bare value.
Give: 8.30
